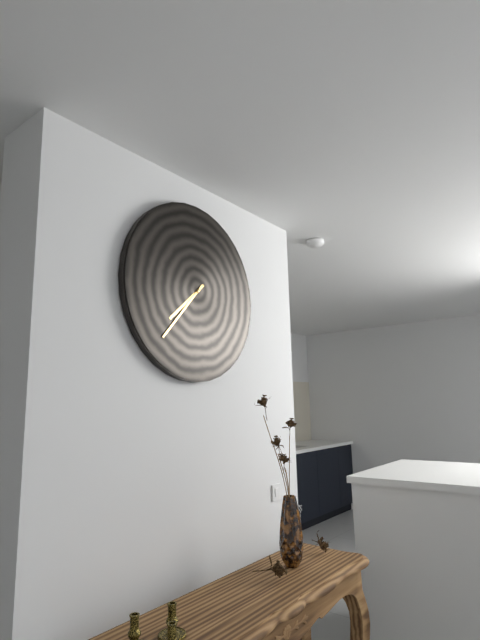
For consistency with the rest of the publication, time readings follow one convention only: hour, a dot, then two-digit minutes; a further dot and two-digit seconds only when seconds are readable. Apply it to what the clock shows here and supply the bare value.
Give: 7.37
